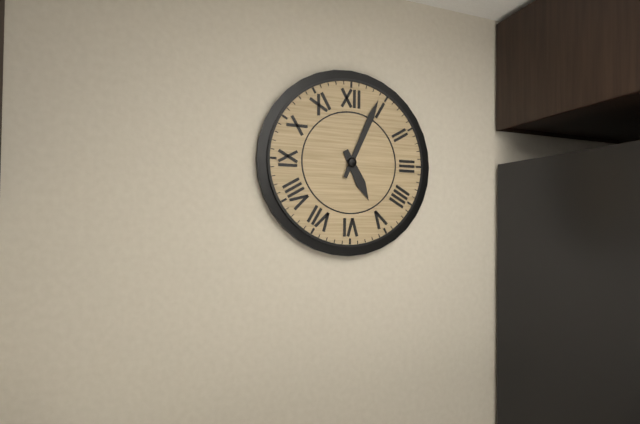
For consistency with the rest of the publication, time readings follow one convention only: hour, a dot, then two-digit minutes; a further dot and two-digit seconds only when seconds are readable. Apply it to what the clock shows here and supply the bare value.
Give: 5.04
